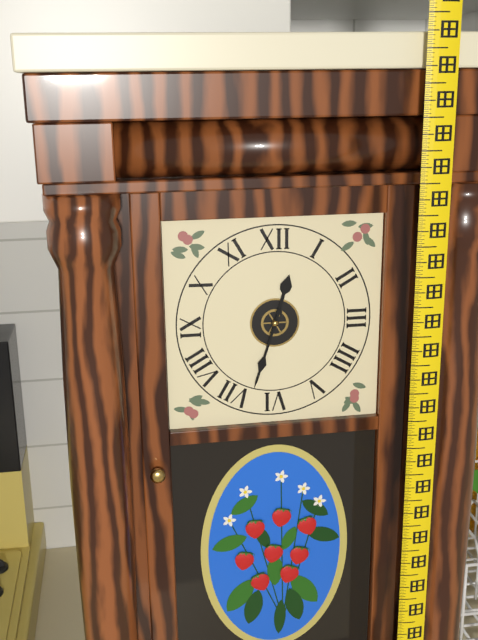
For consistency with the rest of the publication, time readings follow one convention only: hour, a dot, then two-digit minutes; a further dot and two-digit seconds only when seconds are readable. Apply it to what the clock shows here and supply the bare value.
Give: 12.33
